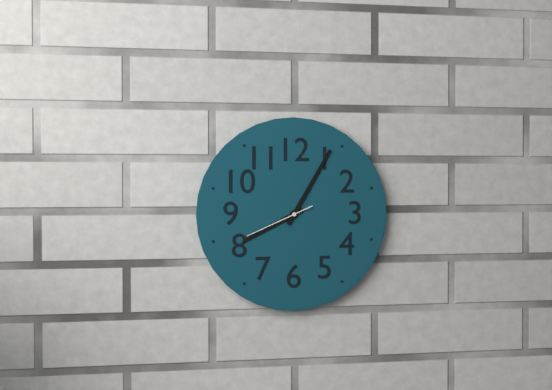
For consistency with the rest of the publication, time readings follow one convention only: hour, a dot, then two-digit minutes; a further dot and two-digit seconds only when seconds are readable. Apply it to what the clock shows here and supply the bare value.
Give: 8.05.41
